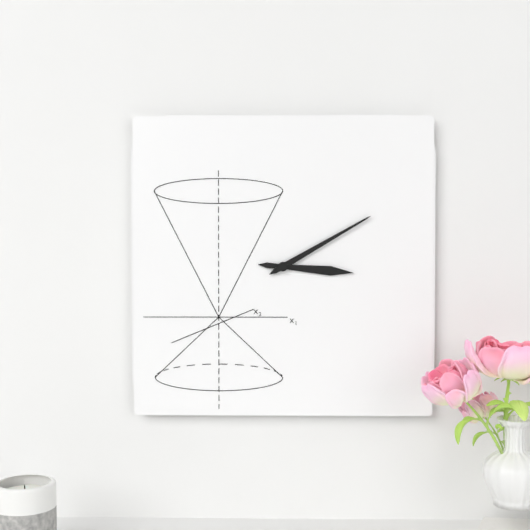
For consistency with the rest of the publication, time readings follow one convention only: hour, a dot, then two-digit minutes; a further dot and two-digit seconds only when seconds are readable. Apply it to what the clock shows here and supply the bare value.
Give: 3.10
